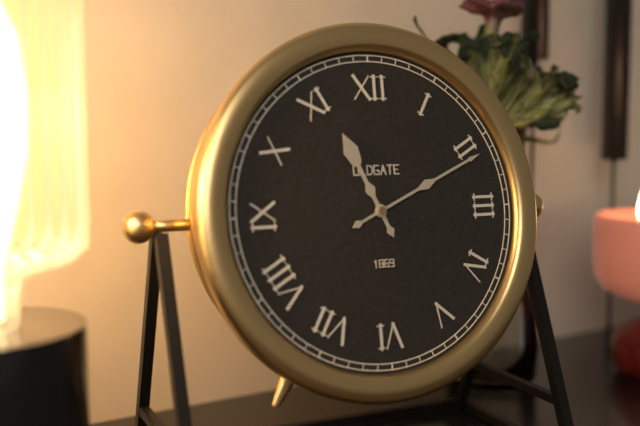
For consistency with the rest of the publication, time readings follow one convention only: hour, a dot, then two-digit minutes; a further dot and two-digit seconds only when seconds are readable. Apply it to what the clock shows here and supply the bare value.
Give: 11.11
